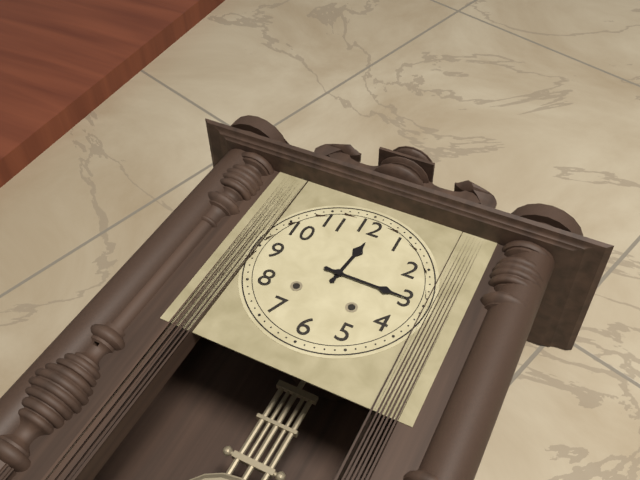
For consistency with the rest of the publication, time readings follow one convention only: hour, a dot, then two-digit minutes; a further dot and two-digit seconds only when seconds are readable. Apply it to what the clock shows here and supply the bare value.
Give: 12.15
